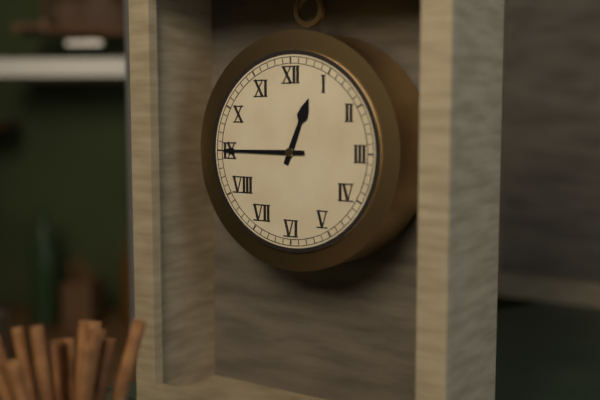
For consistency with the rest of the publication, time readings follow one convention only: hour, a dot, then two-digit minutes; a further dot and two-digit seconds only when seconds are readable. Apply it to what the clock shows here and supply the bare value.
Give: 12.45
